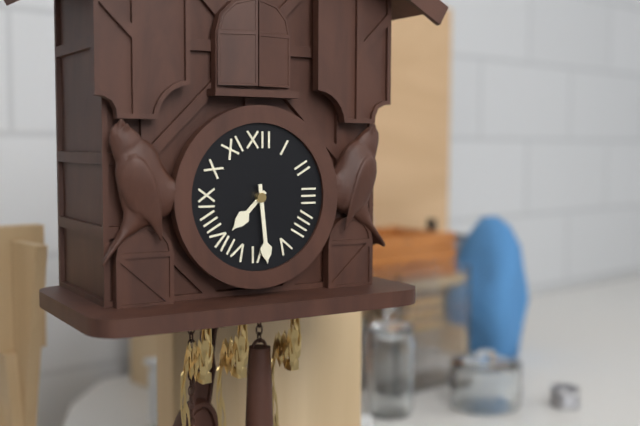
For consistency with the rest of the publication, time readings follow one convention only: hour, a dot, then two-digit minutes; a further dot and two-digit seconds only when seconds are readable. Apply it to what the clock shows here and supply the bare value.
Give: 7.29
